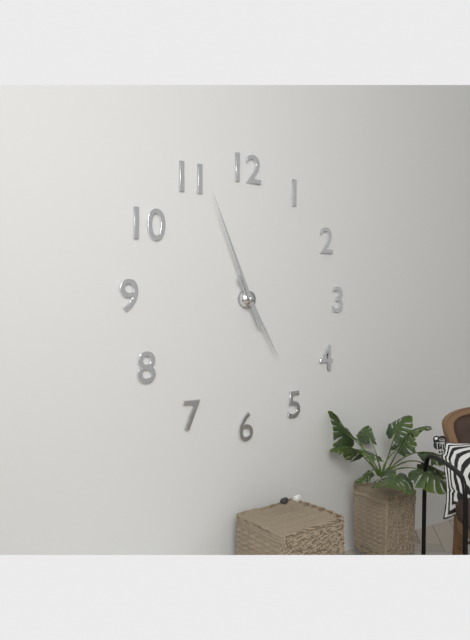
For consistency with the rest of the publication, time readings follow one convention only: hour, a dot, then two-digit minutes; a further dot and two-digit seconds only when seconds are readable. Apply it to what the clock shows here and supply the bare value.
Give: 4.56
